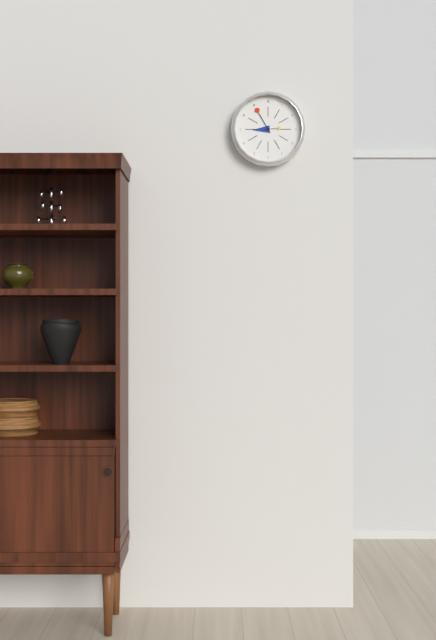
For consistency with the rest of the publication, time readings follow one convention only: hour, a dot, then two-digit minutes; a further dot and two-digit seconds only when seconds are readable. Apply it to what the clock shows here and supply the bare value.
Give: 8.55
